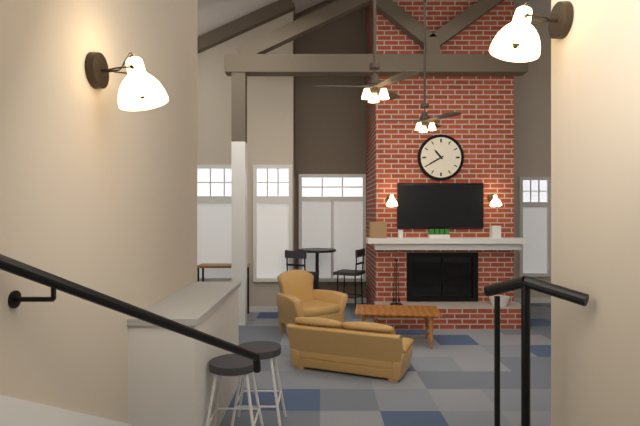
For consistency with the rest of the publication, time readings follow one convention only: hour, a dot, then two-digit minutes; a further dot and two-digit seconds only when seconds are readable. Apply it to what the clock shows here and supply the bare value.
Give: 10.40
